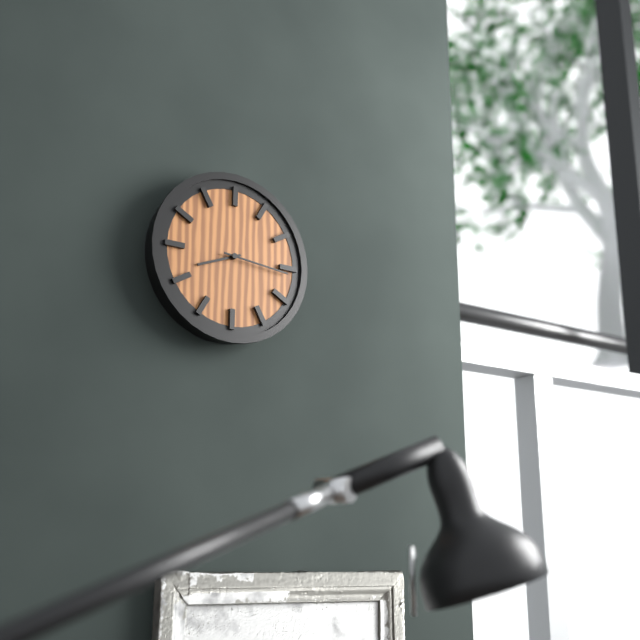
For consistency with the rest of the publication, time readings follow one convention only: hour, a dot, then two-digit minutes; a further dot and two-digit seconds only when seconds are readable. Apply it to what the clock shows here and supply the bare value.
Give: 8.16
